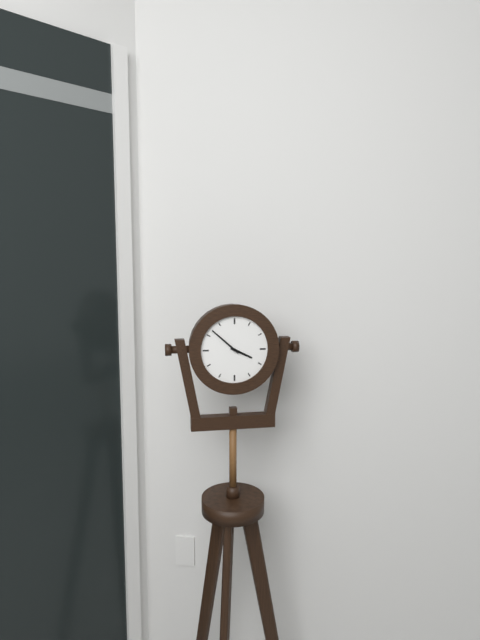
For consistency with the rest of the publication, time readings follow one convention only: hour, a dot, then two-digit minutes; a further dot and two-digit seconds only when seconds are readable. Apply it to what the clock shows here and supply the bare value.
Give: 3.52
